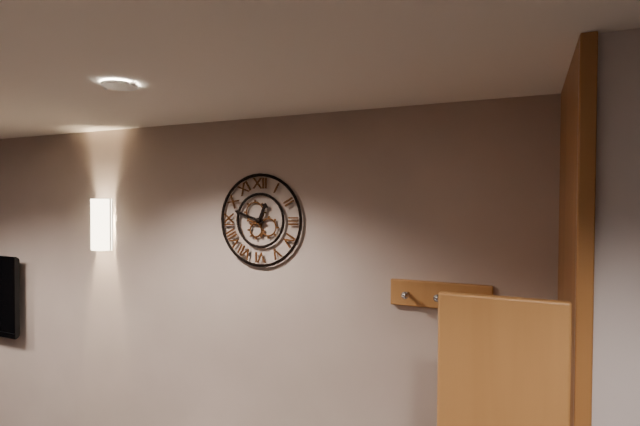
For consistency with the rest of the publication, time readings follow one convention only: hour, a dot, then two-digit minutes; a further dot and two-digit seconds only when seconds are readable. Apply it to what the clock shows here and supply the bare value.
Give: 12.48
